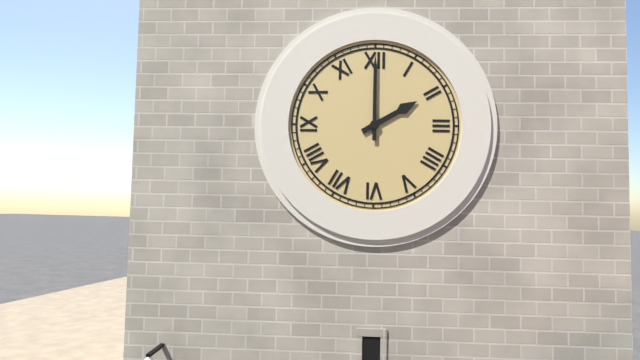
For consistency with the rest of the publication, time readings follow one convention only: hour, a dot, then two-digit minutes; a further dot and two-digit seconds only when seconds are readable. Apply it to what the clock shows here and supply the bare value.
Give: 2.00
